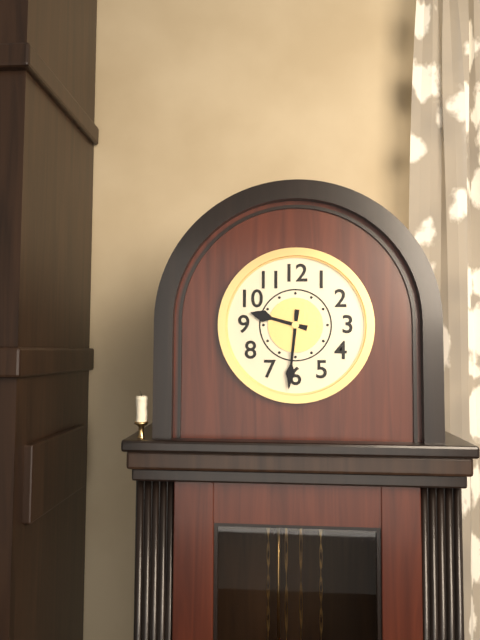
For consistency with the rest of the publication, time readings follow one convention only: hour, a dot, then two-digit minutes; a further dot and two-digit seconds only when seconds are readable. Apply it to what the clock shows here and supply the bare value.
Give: 9.31
